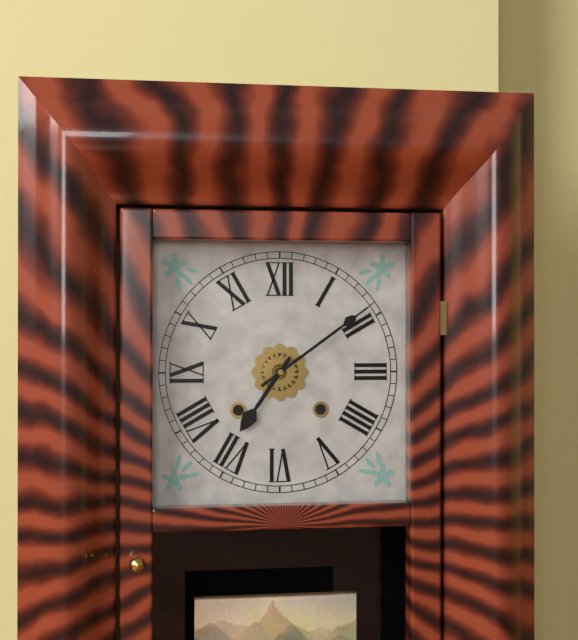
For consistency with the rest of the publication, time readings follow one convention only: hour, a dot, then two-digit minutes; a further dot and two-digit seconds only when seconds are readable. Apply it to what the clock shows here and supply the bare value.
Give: 7.09
